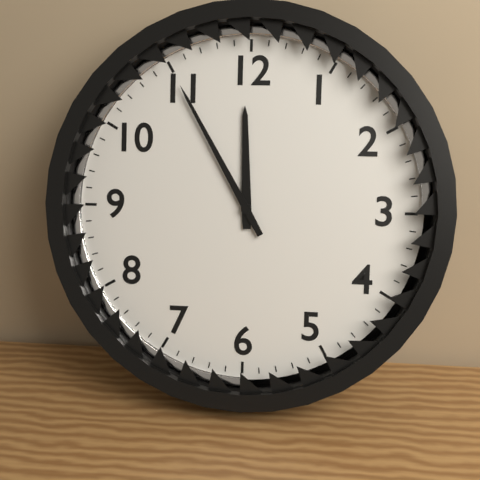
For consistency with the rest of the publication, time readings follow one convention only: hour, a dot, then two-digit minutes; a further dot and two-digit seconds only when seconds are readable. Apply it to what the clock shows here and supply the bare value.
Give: 11.55
